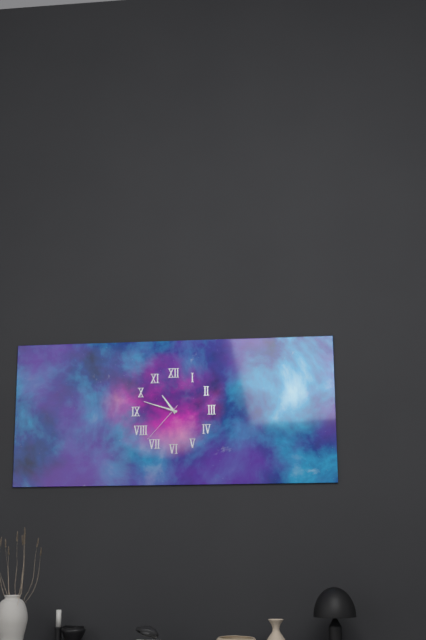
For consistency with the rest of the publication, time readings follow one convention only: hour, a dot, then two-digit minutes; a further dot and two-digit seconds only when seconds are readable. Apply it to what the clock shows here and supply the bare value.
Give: 10.48
